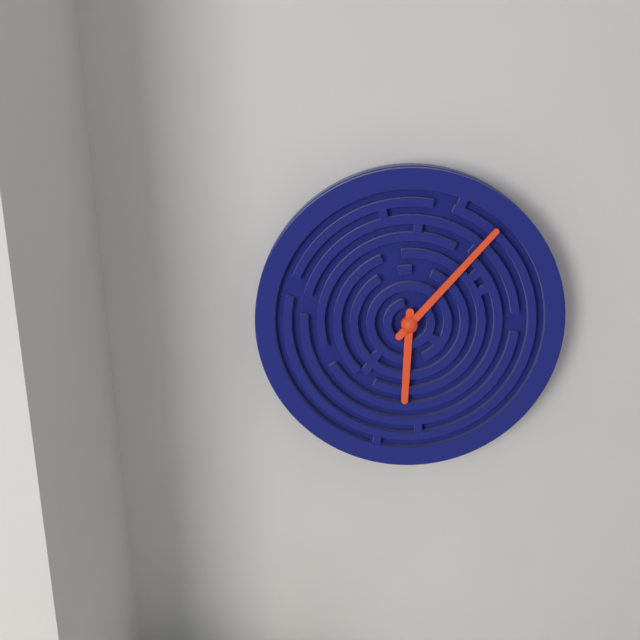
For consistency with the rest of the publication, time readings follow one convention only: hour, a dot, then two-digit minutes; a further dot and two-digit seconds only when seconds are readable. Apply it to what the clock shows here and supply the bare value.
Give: 6.07
